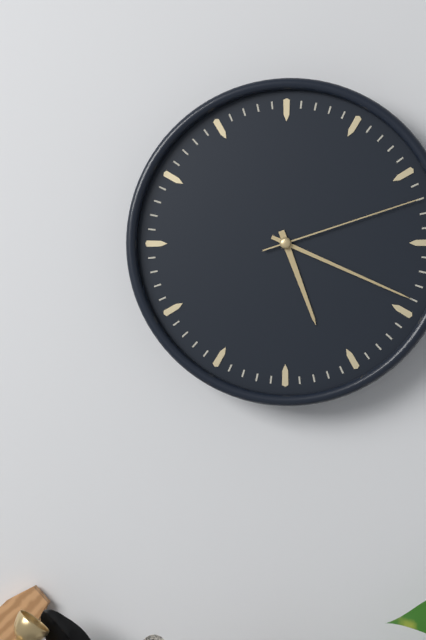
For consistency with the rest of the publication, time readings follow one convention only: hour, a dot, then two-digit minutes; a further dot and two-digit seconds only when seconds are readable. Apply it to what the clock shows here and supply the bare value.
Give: 5.19.12
